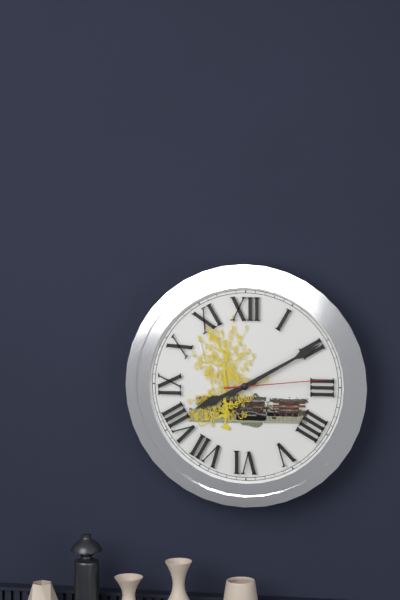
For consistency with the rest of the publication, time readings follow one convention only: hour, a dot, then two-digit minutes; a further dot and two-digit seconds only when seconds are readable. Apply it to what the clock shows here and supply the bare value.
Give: 8.10.14
